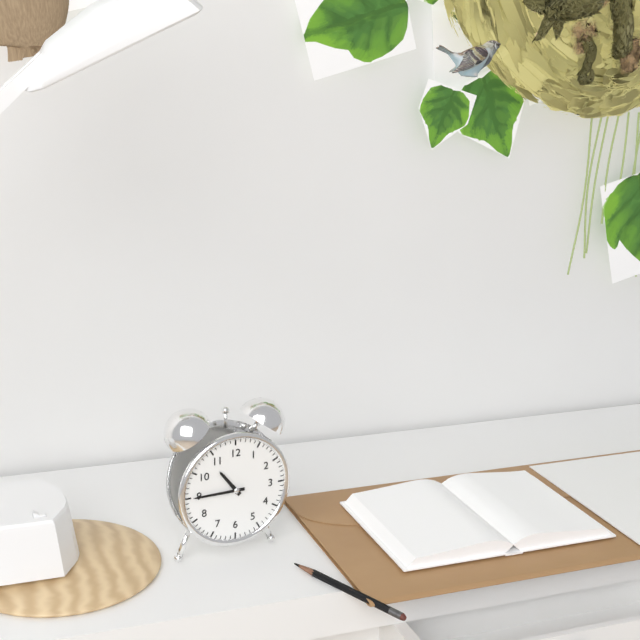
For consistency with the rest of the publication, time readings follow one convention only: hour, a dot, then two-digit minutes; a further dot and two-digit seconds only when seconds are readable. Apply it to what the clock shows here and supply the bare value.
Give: 10.45
